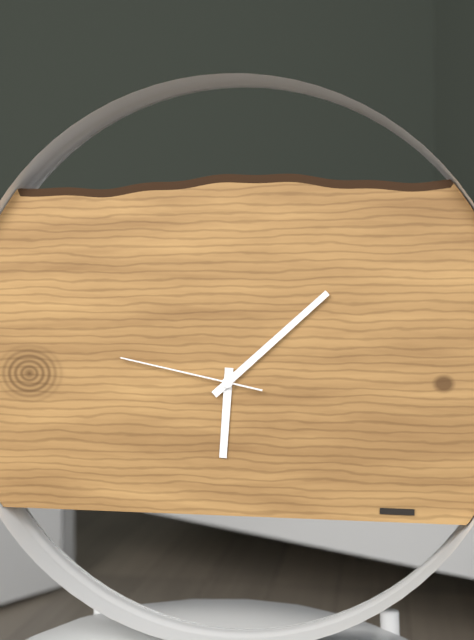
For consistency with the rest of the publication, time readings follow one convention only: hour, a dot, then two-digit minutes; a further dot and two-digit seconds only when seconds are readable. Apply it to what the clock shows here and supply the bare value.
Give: 6.08.47
